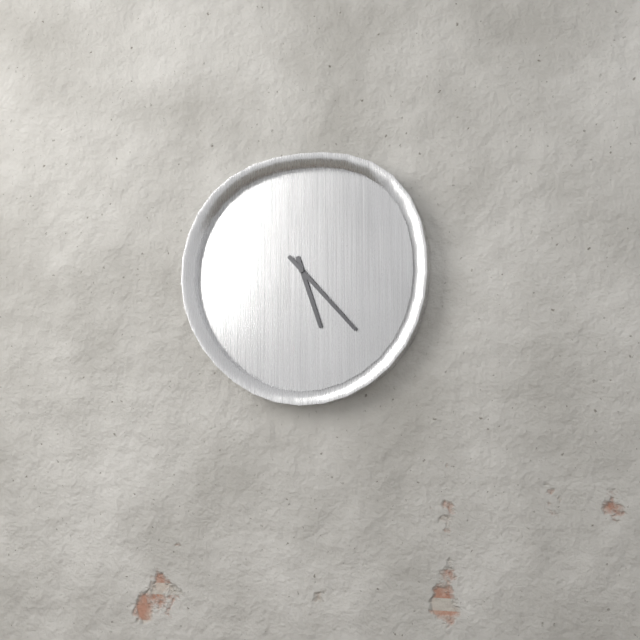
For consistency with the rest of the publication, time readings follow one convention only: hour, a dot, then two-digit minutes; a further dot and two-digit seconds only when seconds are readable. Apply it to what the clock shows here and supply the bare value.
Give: 5.23
